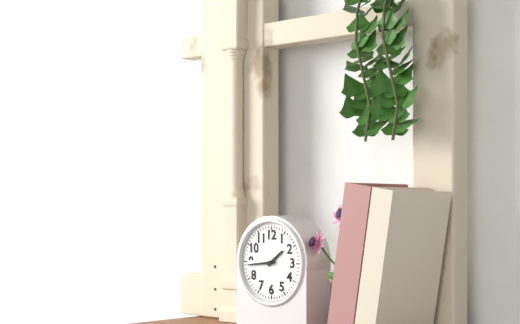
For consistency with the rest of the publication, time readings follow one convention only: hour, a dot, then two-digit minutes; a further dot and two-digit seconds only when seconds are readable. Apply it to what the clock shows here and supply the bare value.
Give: 1.44
